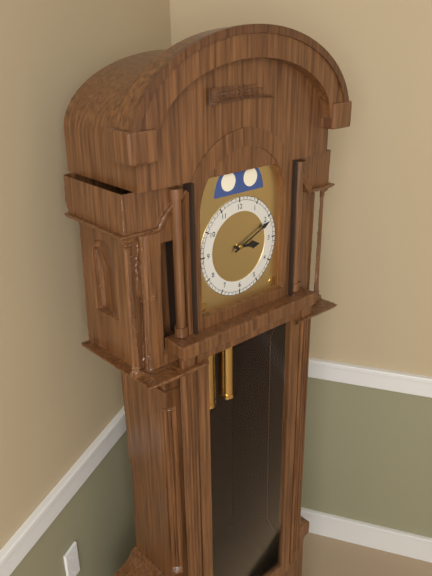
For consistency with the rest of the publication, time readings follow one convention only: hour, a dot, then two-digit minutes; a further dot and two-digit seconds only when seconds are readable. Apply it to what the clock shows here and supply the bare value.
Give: 3.11
